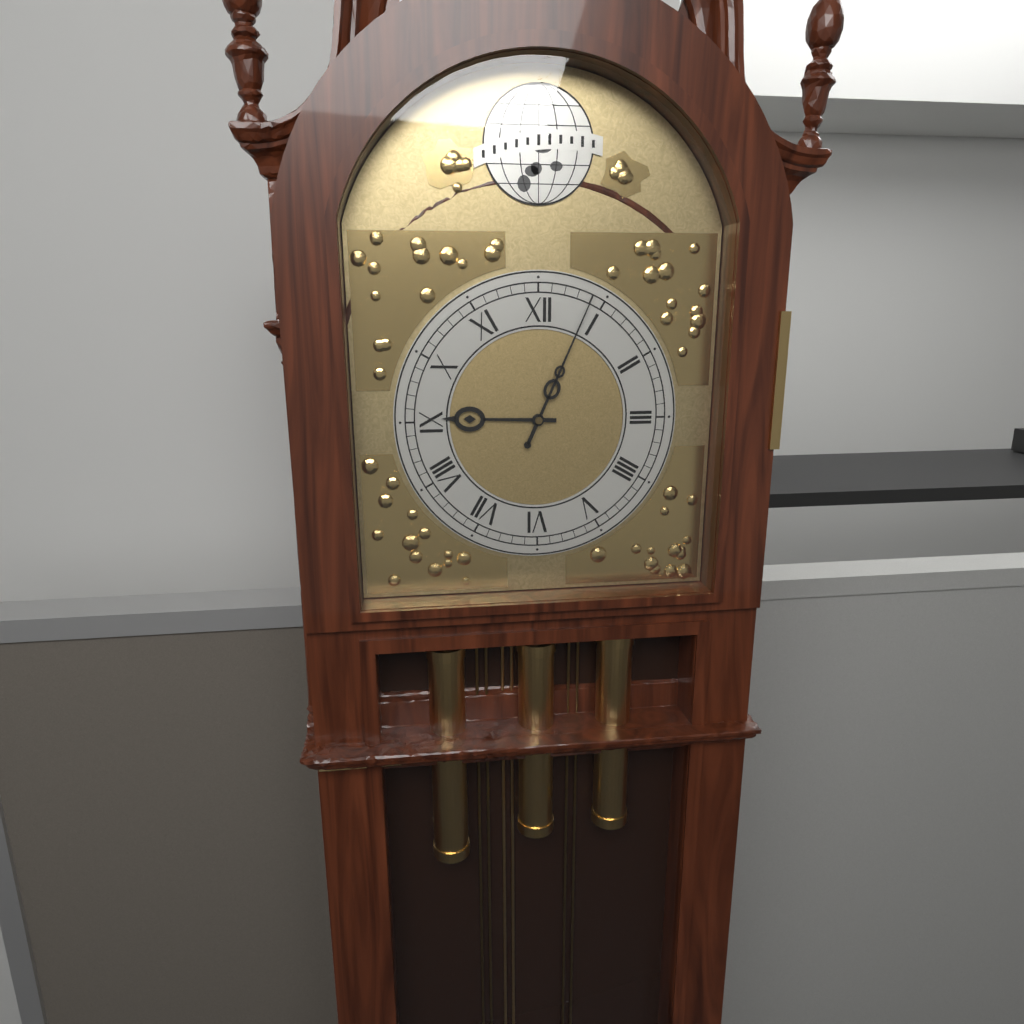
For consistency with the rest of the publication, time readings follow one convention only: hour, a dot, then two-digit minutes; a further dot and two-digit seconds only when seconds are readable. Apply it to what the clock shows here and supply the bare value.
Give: 9.04
